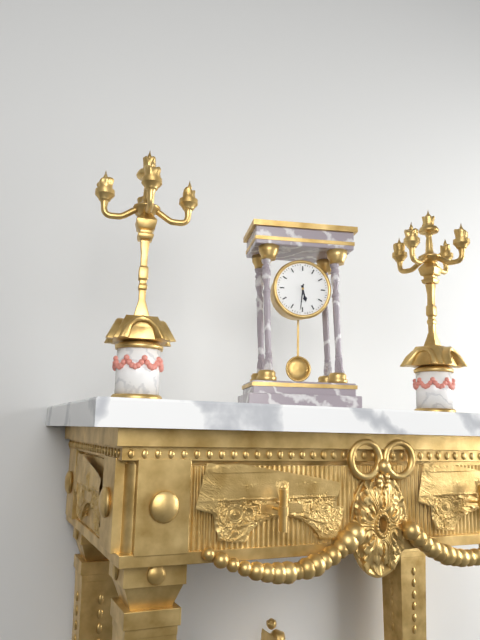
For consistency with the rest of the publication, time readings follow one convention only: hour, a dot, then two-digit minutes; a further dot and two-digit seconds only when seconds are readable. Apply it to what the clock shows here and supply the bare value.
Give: 5.31
